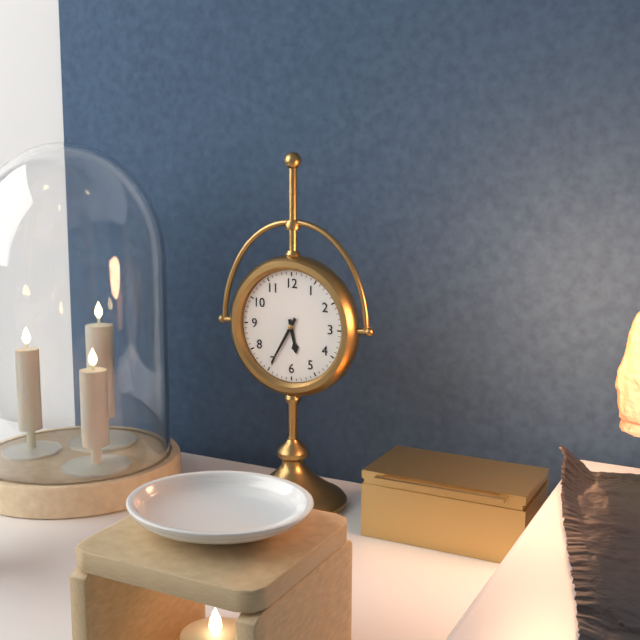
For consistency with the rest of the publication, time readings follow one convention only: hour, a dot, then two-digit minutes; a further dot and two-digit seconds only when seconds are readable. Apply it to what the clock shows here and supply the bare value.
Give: 5.35
